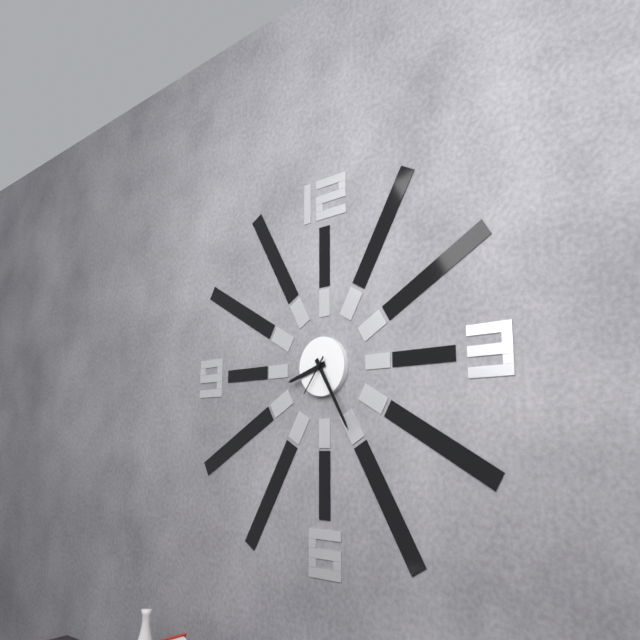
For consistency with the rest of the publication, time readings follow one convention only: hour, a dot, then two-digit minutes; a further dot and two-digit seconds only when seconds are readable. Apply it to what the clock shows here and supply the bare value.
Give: 8.25
